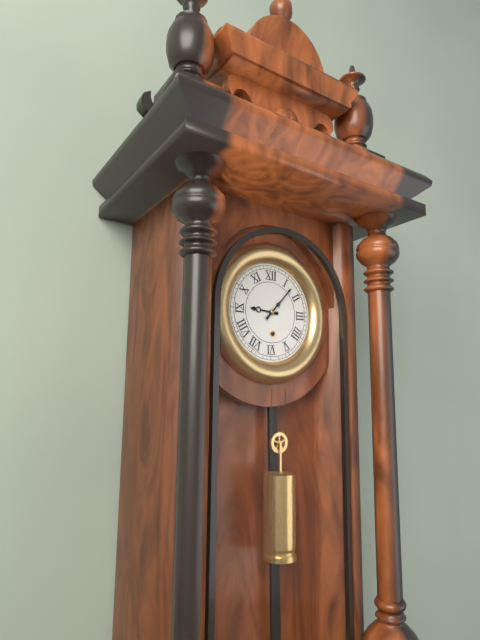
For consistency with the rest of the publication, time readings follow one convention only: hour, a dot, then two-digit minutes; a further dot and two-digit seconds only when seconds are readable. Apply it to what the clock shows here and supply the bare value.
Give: 9.07
